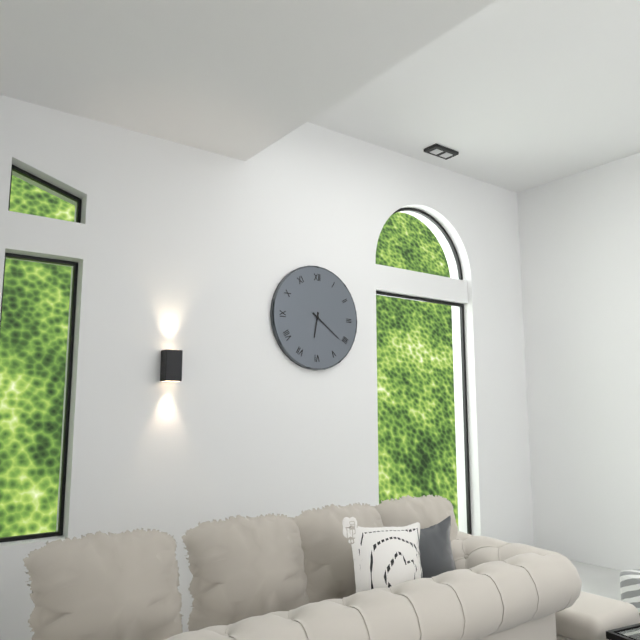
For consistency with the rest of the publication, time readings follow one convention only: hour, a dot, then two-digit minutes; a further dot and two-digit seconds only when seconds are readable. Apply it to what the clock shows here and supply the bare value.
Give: 6.21
